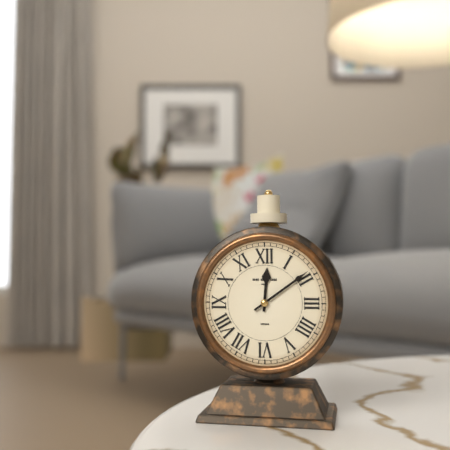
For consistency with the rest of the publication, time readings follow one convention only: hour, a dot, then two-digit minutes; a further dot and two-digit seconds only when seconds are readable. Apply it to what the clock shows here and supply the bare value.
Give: 12.09
